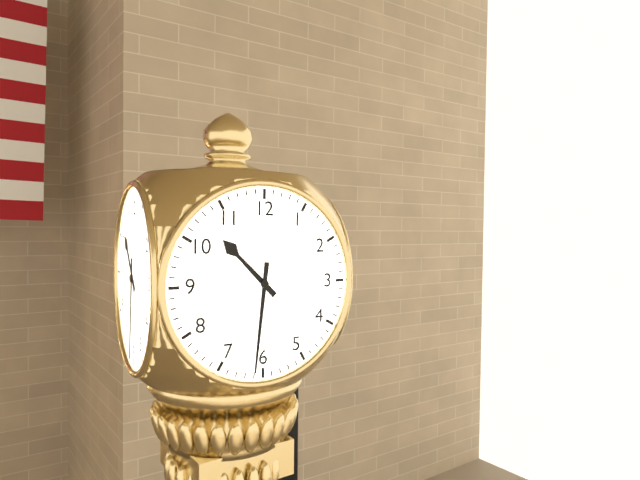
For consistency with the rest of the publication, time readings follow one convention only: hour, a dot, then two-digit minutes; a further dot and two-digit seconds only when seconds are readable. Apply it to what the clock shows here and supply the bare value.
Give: 10.31
